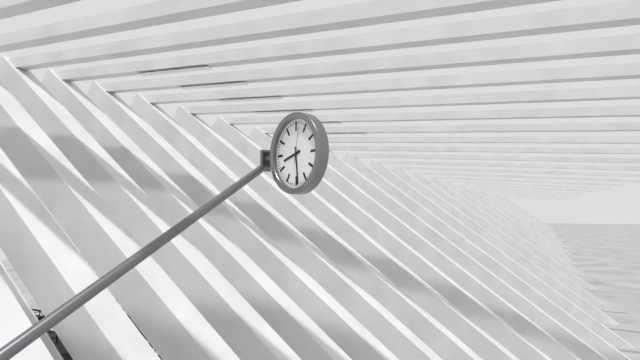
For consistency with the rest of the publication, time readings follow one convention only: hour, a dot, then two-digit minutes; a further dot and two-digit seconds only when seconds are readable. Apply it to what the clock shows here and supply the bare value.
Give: 8.29
